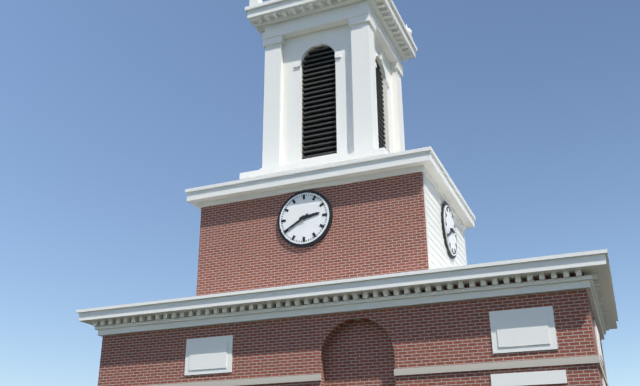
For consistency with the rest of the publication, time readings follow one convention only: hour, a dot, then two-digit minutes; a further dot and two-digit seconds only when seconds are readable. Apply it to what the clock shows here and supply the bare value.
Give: 2.40
